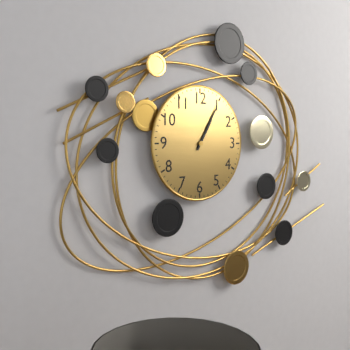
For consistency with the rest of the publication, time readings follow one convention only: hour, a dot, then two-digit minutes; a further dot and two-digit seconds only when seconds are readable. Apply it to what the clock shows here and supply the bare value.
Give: 1.05
